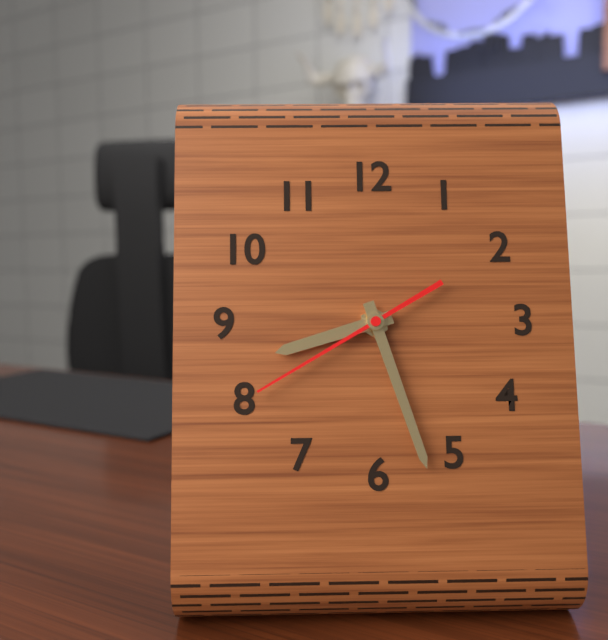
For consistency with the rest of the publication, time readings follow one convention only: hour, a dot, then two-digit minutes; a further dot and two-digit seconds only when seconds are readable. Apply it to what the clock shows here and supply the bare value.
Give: 8.27.40
